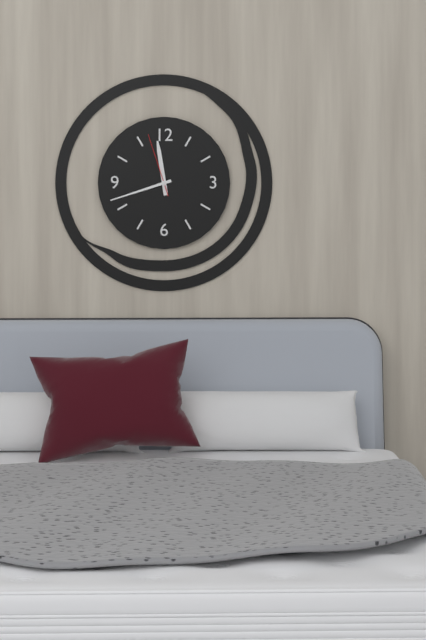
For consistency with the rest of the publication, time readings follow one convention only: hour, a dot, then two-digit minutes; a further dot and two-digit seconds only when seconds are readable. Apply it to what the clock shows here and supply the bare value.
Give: 11.42.57
